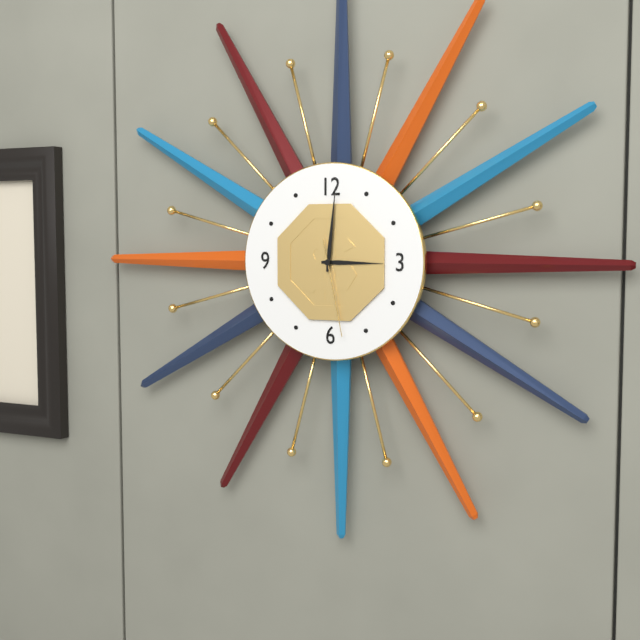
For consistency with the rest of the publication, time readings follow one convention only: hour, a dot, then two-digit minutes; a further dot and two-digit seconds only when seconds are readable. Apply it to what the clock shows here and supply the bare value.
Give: 3.01.28
